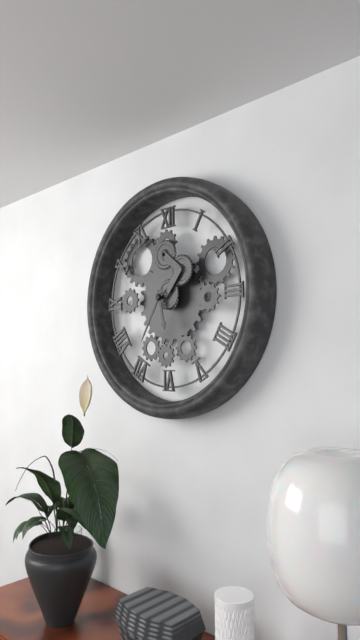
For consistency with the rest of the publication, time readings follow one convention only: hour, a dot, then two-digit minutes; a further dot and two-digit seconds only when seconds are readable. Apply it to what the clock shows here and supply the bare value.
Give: 5.35
